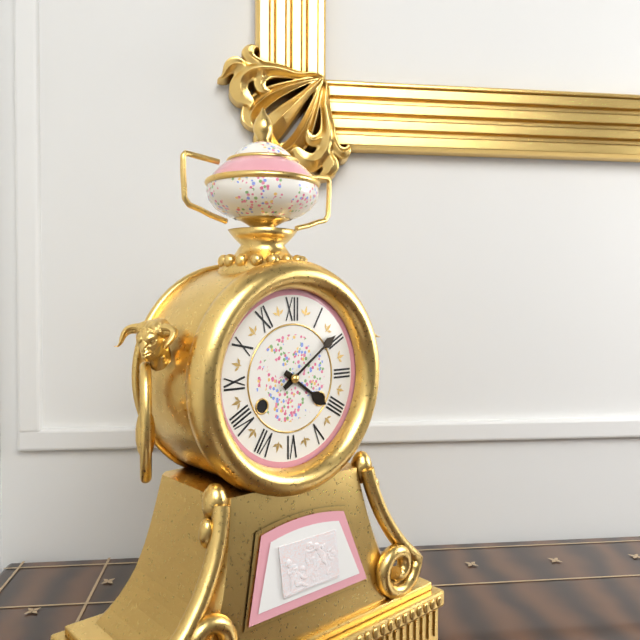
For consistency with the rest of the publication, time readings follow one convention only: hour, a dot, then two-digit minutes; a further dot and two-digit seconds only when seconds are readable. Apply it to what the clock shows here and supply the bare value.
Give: 4.09
